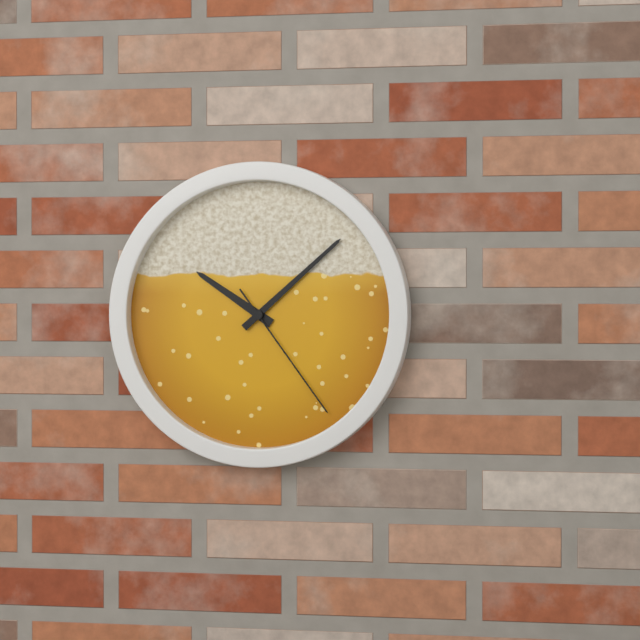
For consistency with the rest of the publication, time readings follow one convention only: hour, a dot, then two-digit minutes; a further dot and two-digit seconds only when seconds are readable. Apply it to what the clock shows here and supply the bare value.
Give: 10.08.24
